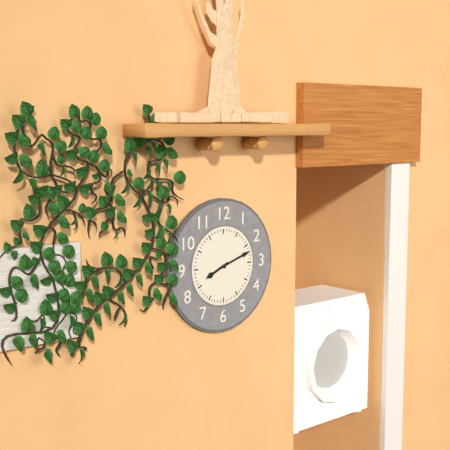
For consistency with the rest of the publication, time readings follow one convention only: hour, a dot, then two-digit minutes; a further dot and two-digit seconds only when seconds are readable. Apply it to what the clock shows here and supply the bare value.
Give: 8.12
